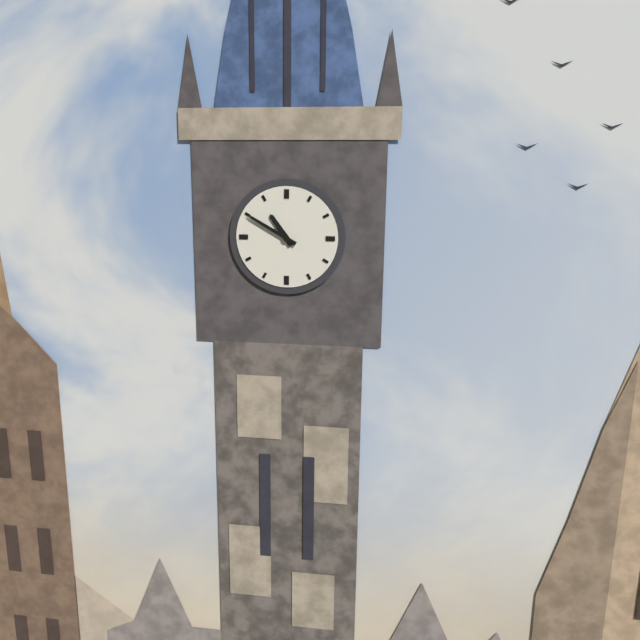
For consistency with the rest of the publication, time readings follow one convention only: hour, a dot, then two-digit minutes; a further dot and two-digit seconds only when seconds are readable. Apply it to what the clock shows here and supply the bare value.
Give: 10.50
